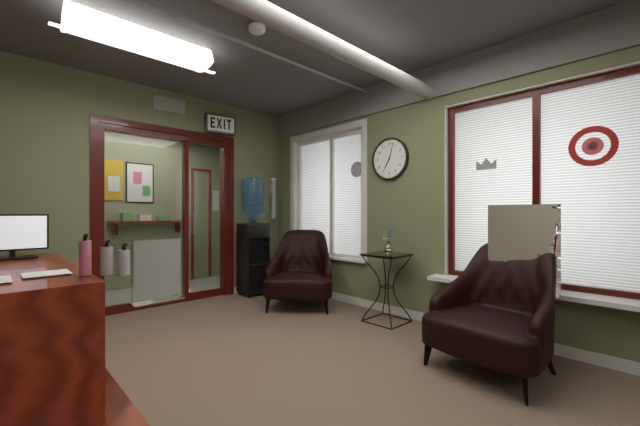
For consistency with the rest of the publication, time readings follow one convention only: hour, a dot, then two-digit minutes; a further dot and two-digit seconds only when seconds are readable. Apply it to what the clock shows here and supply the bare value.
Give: 7.03
